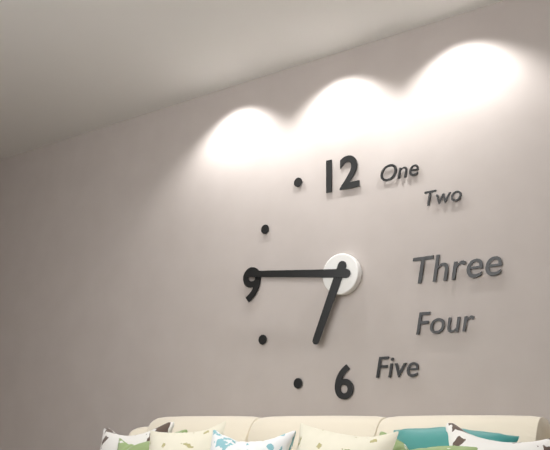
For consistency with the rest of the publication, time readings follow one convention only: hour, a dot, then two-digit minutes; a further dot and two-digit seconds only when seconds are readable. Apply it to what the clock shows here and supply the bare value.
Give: 6.46
